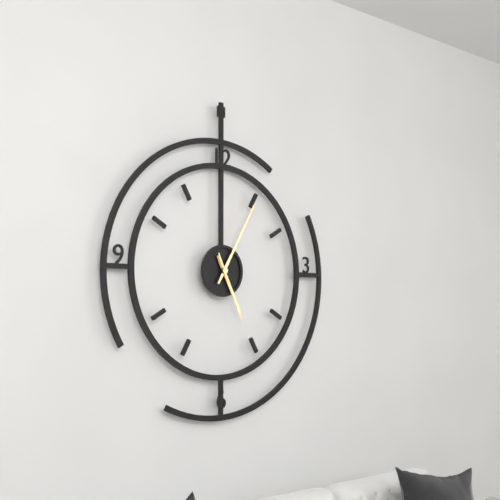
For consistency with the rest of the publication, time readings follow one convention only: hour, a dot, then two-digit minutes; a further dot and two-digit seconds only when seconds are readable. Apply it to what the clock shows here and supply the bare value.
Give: 5.05.26
